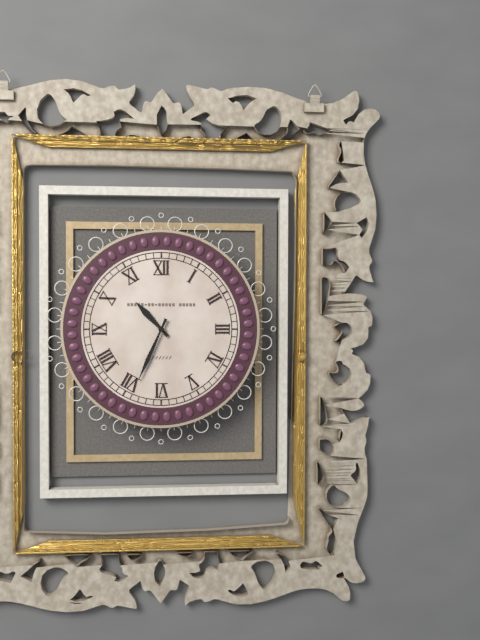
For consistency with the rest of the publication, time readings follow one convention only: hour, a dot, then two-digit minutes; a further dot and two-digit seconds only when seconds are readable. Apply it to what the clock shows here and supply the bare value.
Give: 10.34
